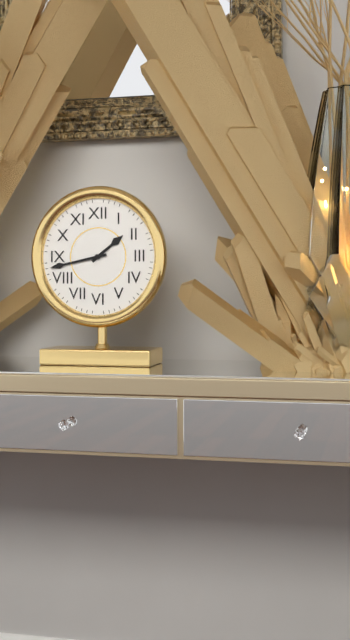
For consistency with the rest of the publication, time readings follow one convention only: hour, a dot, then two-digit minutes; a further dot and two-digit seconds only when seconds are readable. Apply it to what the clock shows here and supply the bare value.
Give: 1.43
